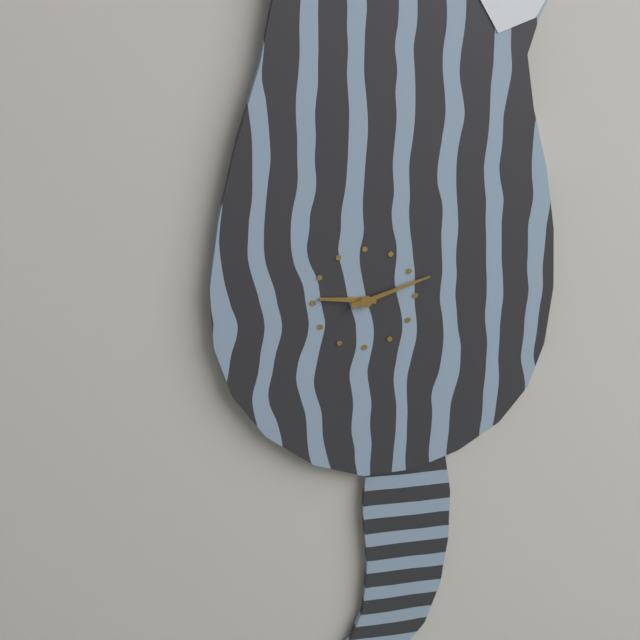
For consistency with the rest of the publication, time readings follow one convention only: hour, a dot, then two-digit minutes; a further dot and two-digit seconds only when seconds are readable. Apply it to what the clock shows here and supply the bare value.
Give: 9.12
